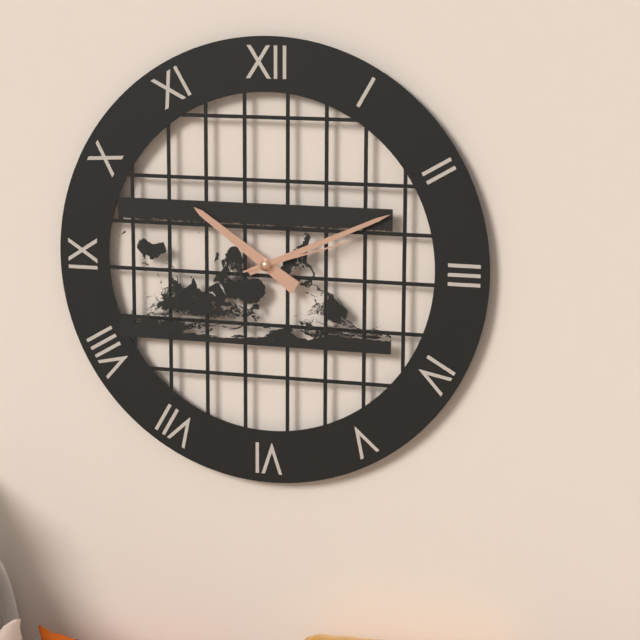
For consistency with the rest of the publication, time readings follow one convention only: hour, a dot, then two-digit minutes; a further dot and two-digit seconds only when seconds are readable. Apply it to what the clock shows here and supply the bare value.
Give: 10.11.12
